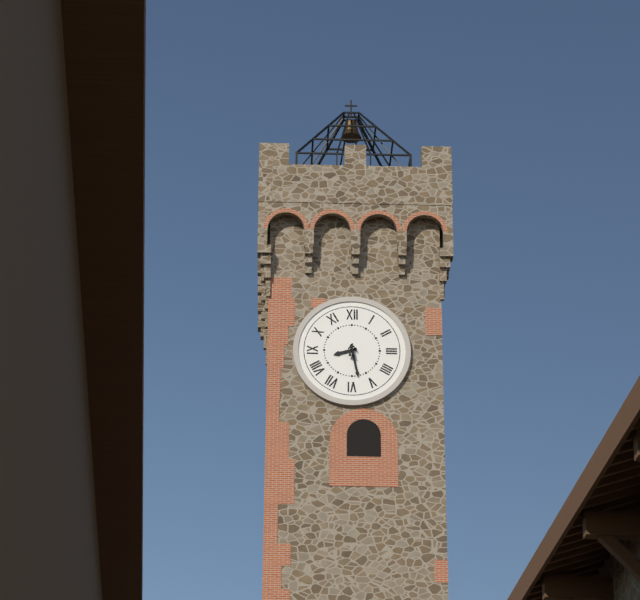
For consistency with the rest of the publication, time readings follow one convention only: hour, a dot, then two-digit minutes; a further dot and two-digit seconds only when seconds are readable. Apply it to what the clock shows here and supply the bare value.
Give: 8.28
